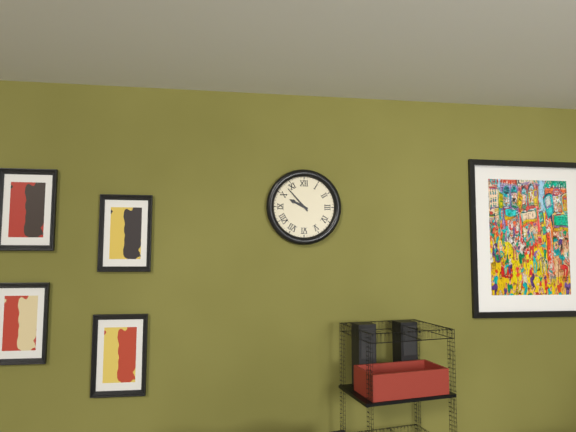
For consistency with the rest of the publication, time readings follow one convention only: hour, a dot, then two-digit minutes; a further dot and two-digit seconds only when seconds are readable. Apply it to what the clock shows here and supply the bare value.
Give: 9.53
